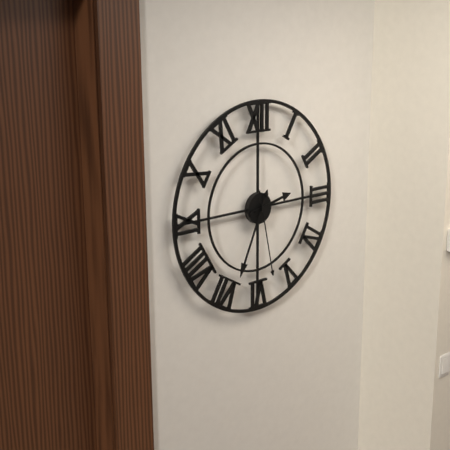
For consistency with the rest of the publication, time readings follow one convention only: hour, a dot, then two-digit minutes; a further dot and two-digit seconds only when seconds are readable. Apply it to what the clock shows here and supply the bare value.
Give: 2.34.28
